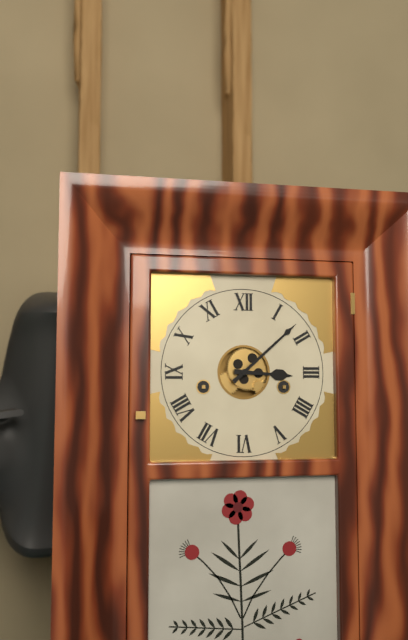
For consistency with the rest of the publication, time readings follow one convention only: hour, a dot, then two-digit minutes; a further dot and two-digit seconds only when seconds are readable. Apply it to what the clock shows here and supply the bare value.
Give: 3.08
